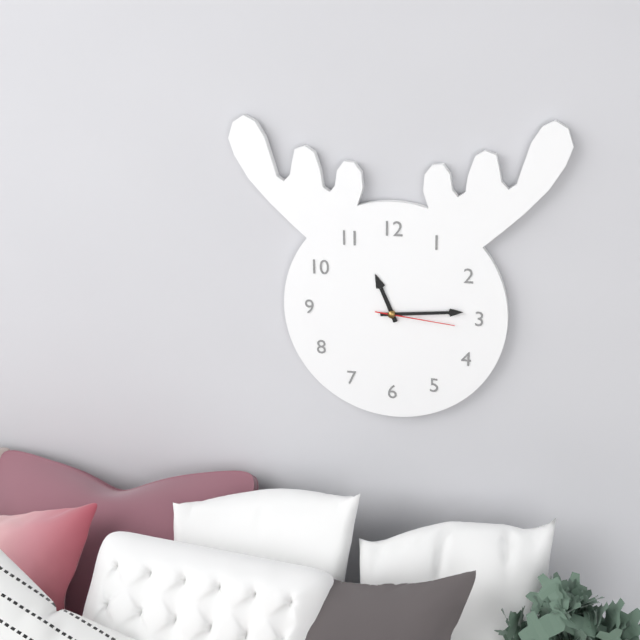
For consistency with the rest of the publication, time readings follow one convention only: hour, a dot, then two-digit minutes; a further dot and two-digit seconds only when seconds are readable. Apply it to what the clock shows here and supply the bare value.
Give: 11.14.16
